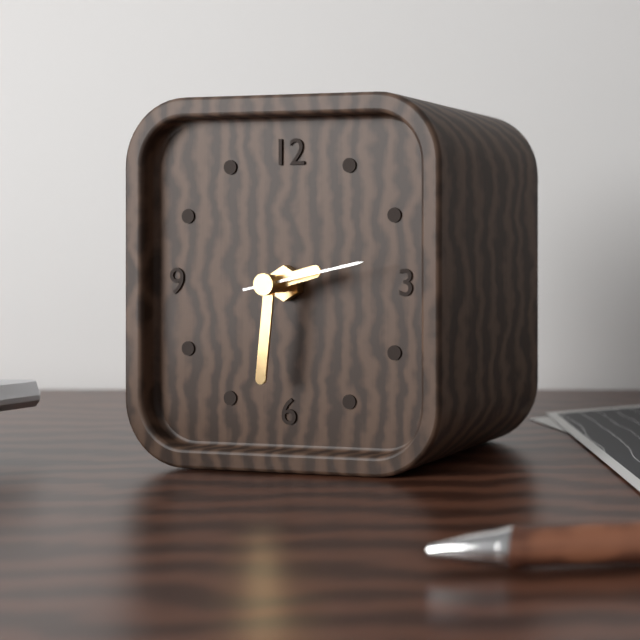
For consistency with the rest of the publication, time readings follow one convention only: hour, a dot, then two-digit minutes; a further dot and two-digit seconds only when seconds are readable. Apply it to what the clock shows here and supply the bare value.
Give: 2.31.13
